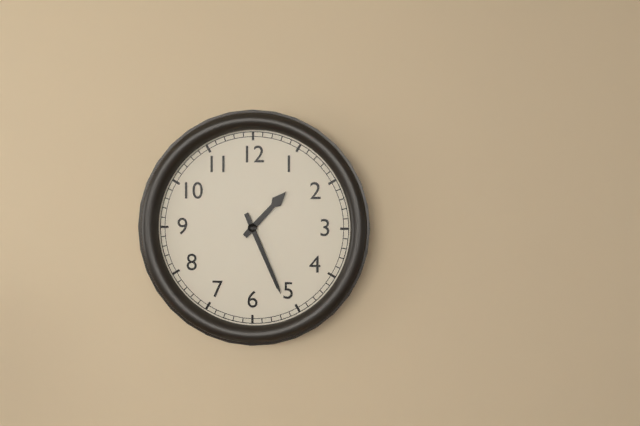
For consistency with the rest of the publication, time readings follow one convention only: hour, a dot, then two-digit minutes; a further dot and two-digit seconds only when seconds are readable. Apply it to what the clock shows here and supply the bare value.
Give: 1.26
